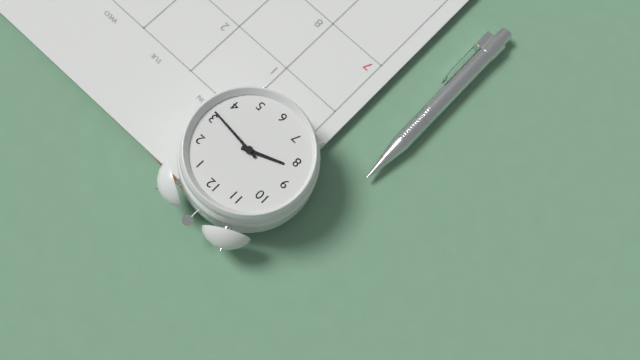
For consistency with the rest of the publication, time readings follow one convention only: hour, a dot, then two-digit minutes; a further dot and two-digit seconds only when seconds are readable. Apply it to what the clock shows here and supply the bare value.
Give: 8.16
